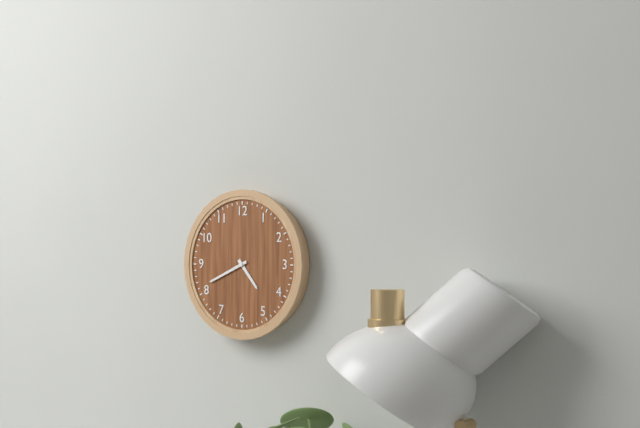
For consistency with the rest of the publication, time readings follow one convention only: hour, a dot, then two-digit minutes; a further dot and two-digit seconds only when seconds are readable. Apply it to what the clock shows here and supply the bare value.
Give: 4.41
